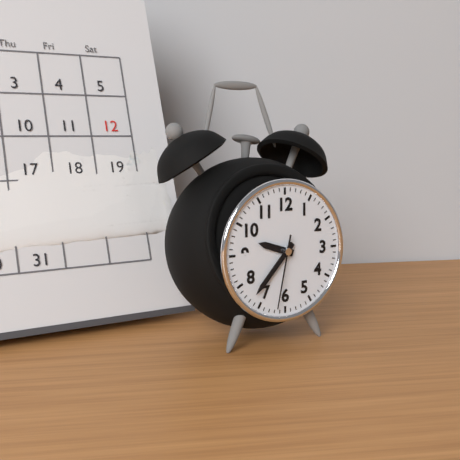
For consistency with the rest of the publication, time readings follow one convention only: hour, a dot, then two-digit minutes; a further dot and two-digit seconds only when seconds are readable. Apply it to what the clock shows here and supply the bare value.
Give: 9.37.32
